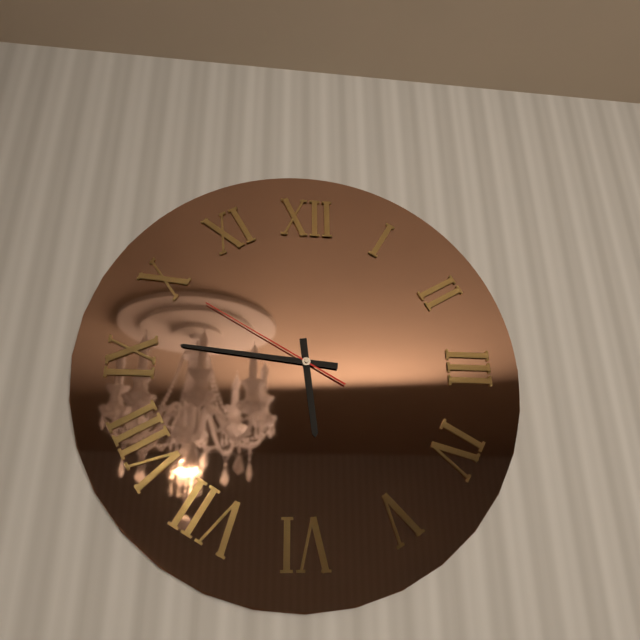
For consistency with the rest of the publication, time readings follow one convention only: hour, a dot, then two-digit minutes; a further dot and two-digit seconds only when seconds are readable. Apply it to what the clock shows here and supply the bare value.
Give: 5.46.50
